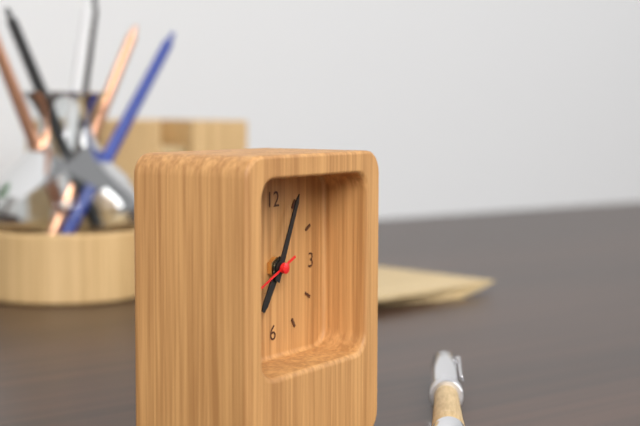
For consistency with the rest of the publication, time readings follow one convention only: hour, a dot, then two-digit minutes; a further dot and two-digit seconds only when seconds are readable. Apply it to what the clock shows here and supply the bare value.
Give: 7.04
